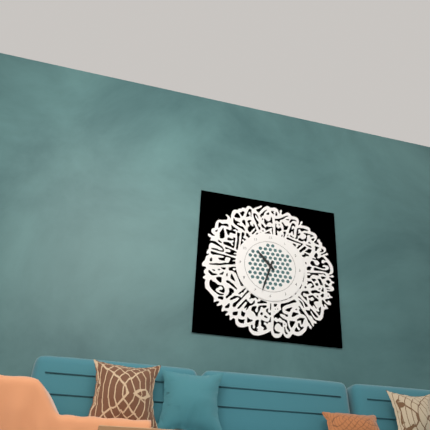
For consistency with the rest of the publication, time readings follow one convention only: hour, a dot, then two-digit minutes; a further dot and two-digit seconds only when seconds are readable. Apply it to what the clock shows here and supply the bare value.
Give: 10.33
